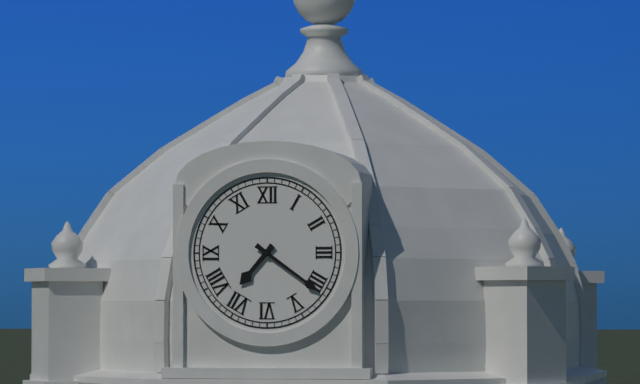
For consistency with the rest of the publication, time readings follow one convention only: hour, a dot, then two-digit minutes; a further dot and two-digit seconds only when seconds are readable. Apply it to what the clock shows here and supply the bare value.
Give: 7.21
